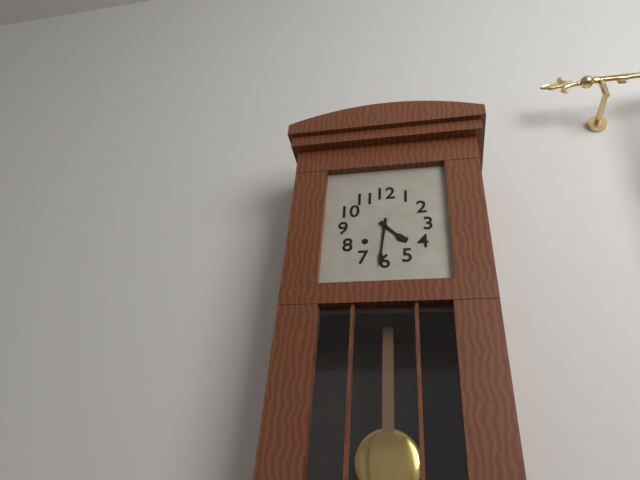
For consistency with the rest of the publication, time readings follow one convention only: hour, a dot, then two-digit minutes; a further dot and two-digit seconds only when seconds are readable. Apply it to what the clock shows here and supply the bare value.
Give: 4.31
